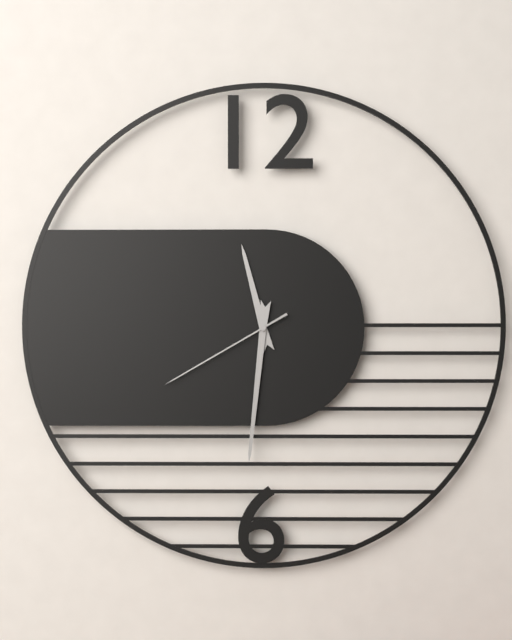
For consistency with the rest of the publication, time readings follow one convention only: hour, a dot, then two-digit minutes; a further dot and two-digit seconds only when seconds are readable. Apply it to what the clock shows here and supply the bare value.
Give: 11.31.40
